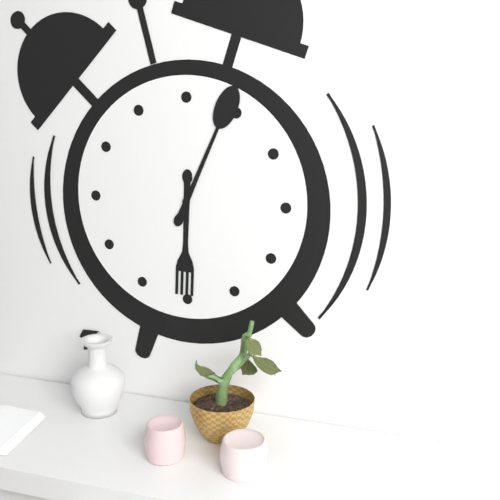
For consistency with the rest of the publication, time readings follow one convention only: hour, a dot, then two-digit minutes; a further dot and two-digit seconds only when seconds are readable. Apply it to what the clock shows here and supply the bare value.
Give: 6.04
